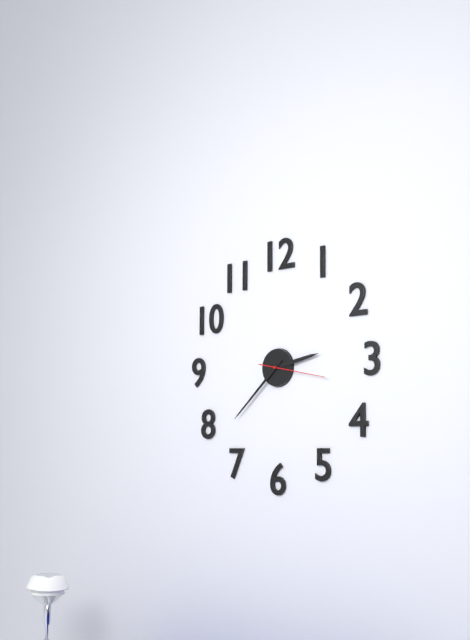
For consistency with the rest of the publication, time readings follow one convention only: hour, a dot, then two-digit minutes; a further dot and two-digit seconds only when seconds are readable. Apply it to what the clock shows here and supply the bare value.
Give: 2.38.17
